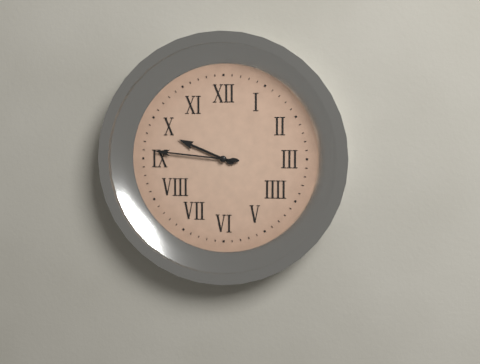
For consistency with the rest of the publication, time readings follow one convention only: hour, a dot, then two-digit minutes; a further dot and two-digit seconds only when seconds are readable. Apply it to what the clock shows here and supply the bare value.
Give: 9.46
